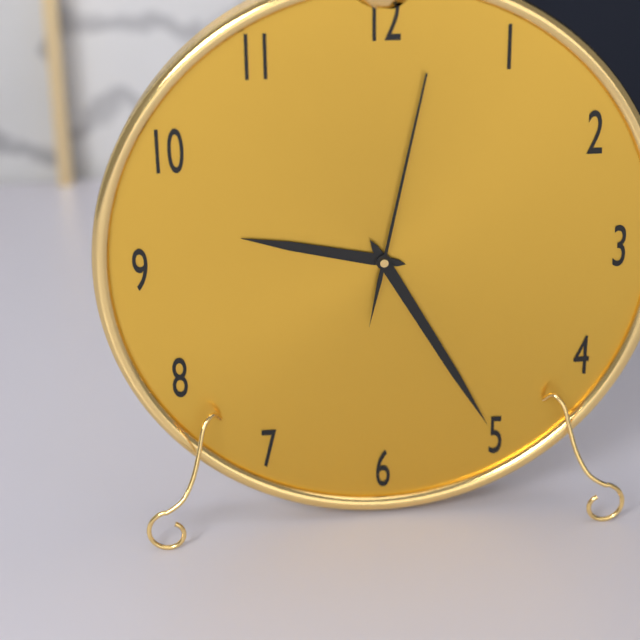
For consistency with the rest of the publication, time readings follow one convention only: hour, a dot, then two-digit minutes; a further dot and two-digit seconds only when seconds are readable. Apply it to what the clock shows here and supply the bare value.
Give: 9.25.02
